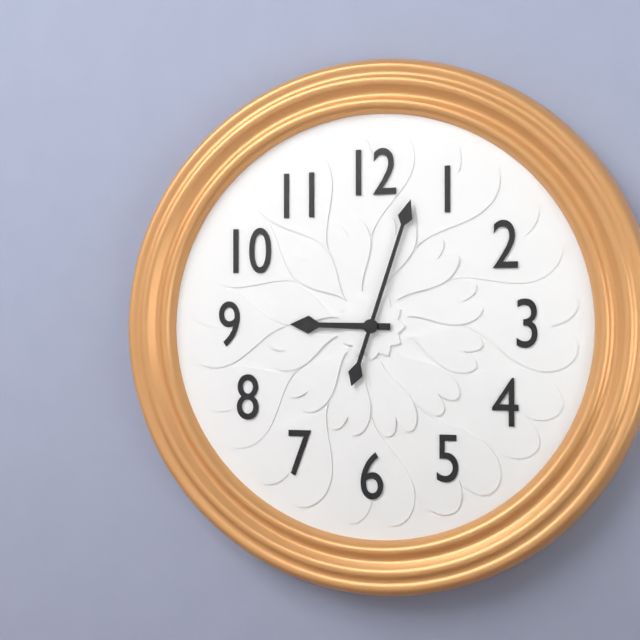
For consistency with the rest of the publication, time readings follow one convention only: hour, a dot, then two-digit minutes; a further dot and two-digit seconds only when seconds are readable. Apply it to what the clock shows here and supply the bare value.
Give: 9.03
